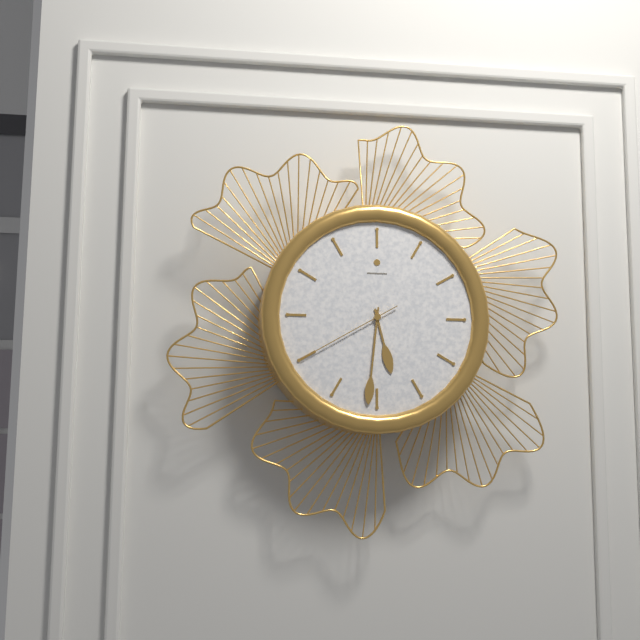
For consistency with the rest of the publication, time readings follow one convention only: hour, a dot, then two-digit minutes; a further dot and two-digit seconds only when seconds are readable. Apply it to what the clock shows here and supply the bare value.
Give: 5.31.40
